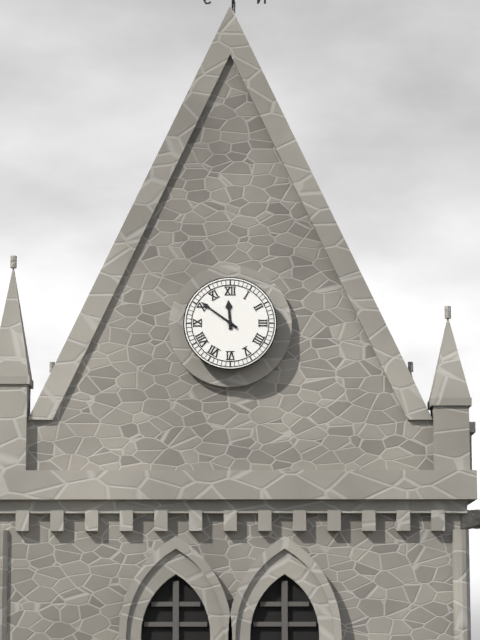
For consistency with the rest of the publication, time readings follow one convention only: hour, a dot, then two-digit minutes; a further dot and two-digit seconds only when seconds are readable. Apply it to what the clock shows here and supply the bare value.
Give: 11.51
